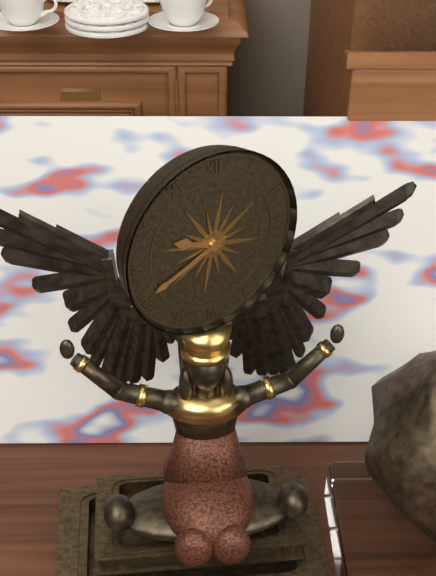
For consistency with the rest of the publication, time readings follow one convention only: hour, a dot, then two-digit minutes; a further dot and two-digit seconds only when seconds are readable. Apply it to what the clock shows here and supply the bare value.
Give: 9.41
